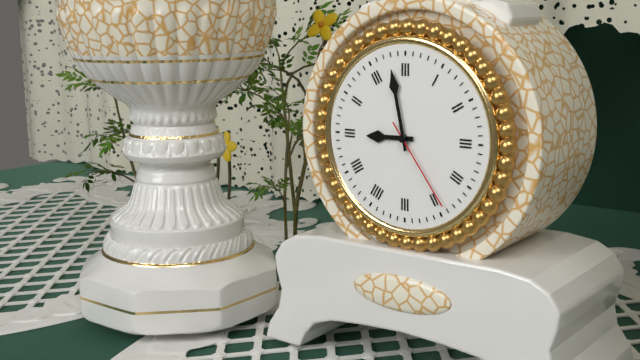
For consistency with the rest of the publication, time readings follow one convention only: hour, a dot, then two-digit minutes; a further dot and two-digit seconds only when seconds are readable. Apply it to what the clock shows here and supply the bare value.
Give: 8.58.24
